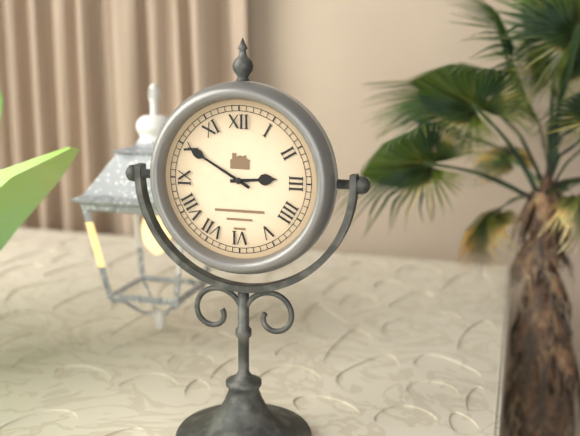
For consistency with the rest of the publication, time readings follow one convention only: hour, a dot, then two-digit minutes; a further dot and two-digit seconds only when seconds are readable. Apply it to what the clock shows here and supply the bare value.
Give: 2.50
